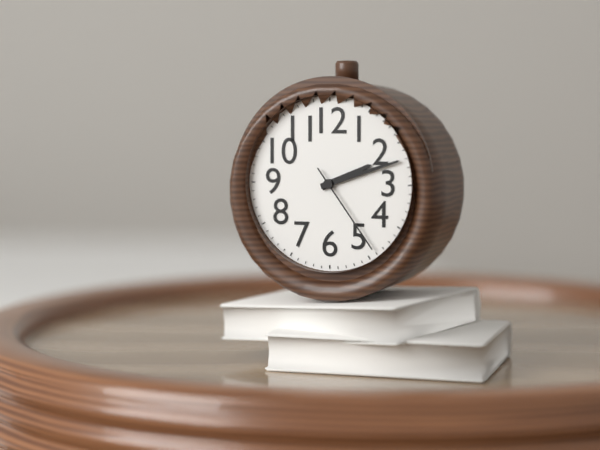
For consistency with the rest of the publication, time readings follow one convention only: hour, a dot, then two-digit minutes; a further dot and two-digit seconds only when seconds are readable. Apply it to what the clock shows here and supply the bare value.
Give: 2.12.24
